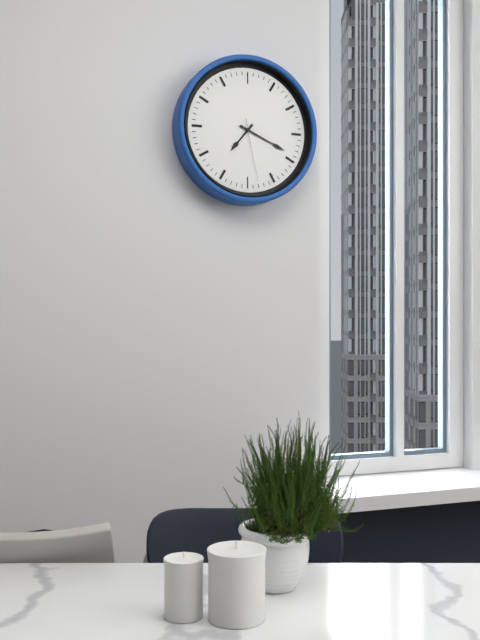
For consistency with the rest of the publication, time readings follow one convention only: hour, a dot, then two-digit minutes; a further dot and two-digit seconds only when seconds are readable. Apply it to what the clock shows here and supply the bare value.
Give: 7.19.28
